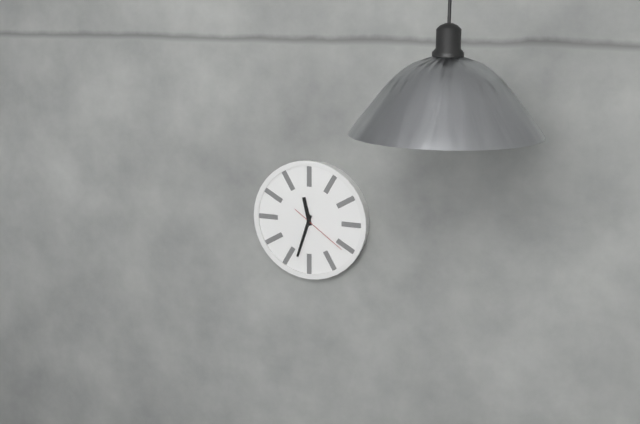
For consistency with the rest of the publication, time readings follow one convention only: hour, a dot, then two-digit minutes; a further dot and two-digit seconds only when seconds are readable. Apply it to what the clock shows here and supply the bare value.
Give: 11.33.21
